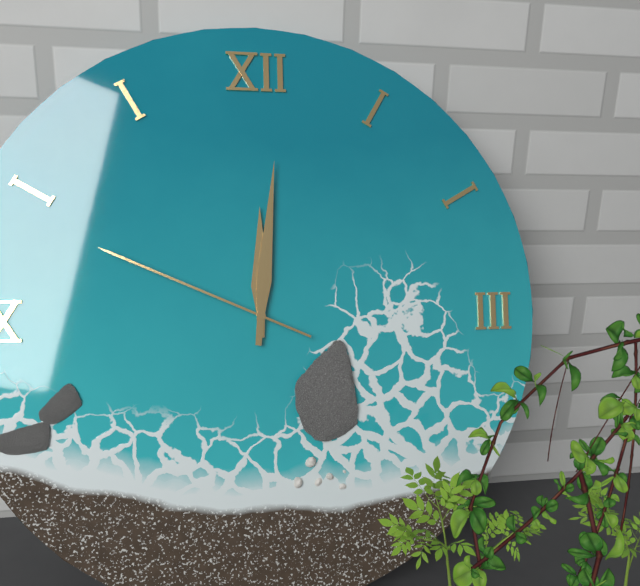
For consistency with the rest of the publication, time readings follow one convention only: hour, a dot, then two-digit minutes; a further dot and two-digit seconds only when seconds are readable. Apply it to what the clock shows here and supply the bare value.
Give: 12.01.49
